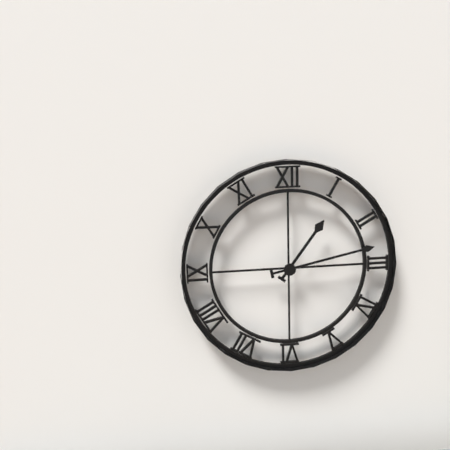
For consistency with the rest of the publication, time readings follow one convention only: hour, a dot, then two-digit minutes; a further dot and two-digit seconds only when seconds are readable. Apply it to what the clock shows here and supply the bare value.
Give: 1.13
